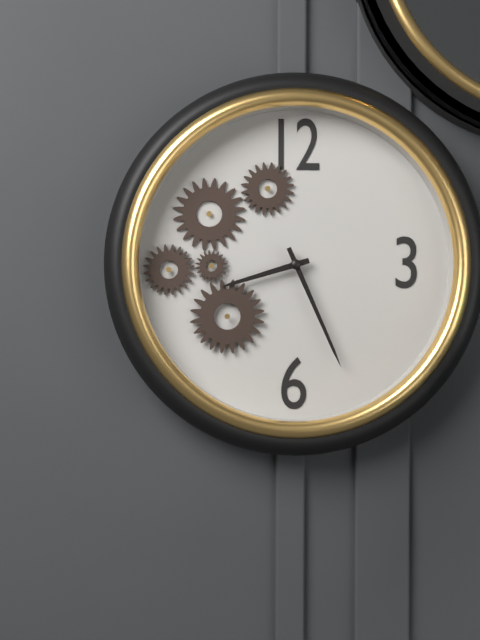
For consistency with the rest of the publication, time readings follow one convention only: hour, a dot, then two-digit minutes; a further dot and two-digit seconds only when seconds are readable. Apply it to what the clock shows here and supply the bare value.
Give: 8.26
